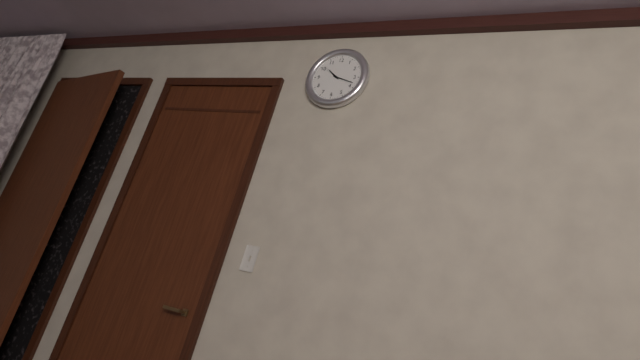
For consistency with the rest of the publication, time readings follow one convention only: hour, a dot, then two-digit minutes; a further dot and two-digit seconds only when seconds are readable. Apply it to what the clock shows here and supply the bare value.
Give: 10.18
